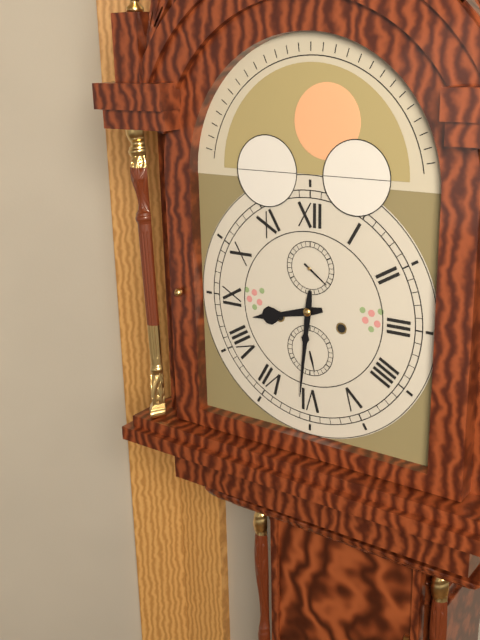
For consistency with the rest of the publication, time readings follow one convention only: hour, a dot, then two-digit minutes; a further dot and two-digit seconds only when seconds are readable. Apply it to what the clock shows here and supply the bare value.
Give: 8.31
